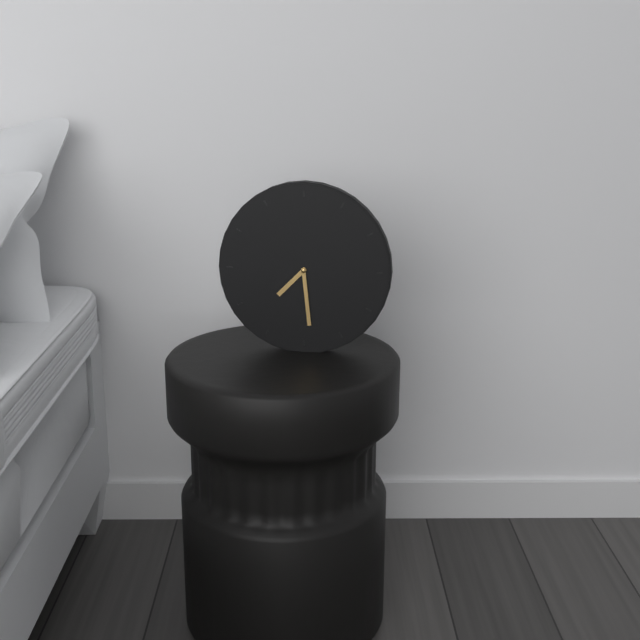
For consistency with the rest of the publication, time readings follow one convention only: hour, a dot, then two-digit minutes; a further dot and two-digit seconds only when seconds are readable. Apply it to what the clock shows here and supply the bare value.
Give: 7.29
